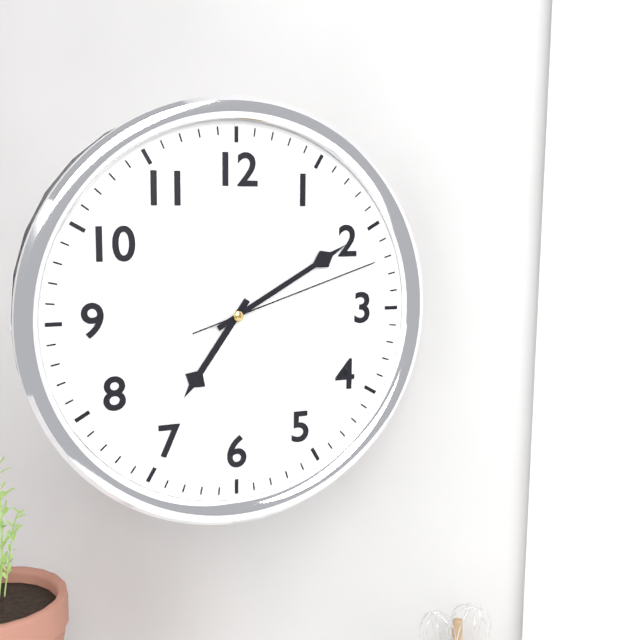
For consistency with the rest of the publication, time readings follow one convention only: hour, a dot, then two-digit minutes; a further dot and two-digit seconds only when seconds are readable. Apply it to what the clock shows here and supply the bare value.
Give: 7.10.12
